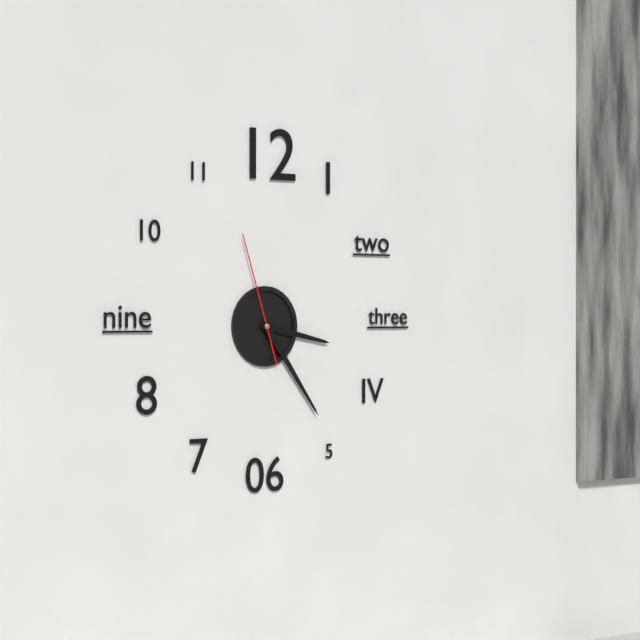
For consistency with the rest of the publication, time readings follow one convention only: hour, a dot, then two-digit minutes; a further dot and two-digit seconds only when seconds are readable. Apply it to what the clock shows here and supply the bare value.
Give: 3.24.57
